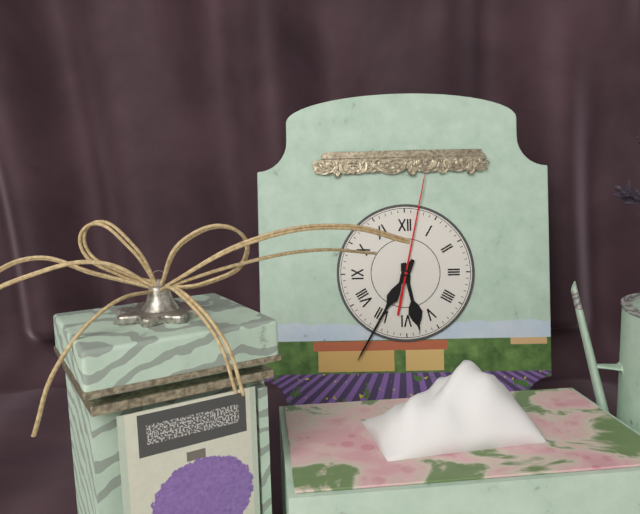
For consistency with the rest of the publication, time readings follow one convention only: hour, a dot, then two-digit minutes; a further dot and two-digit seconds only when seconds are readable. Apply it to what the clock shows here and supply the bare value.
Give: 5.35.02
